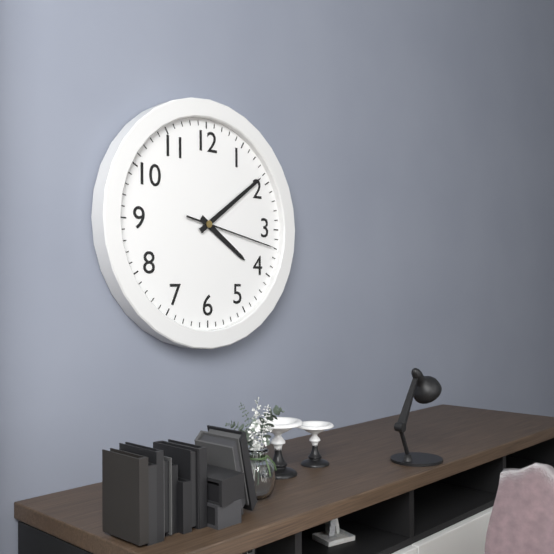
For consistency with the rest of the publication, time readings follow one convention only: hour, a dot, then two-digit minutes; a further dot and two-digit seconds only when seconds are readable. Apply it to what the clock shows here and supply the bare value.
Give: 4.09.17
